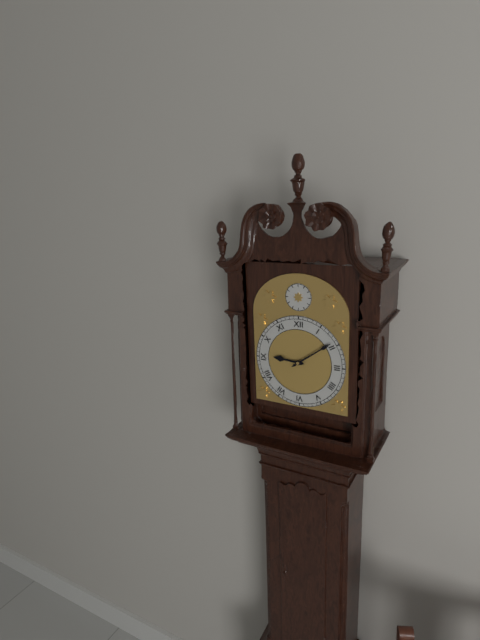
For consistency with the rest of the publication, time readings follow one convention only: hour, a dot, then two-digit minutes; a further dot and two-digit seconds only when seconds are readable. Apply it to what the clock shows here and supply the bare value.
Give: 9.09
